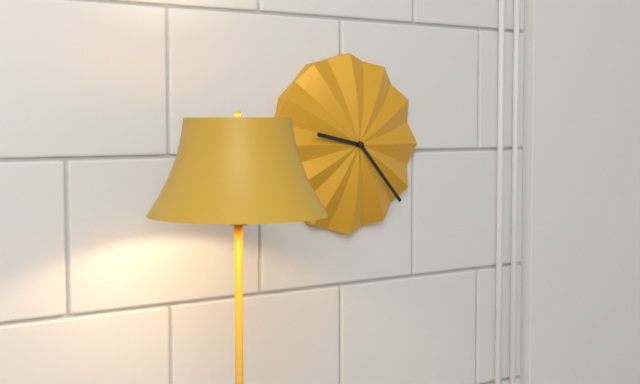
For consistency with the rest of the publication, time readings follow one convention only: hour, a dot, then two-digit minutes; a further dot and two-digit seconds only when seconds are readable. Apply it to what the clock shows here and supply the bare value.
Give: 9.23
